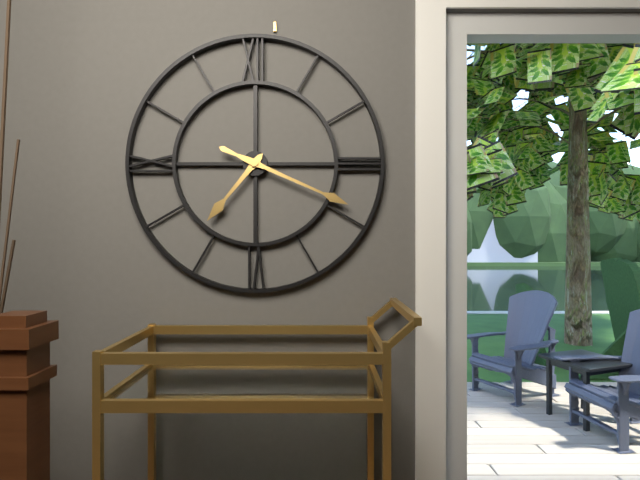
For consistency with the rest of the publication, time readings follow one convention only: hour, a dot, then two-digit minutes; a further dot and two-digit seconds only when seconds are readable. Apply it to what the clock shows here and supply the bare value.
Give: 7.19
